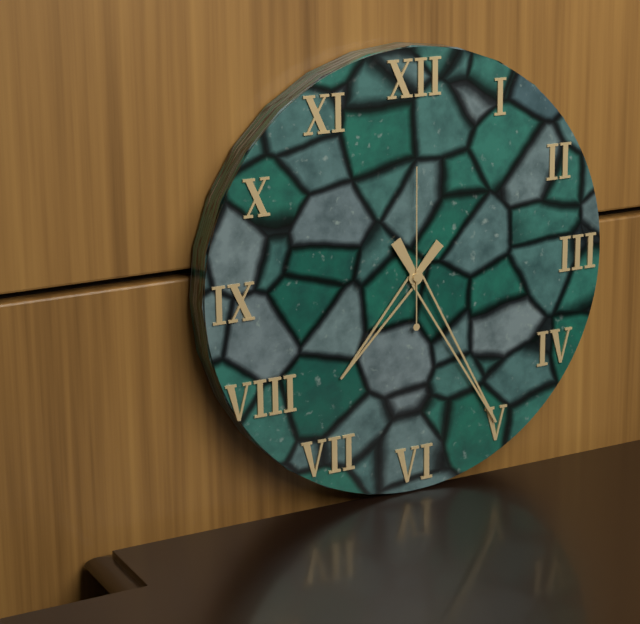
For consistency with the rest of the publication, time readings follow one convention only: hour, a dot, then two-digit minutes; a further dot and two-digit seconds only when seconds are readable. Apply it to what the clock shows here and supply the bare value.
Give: 7.25.00
